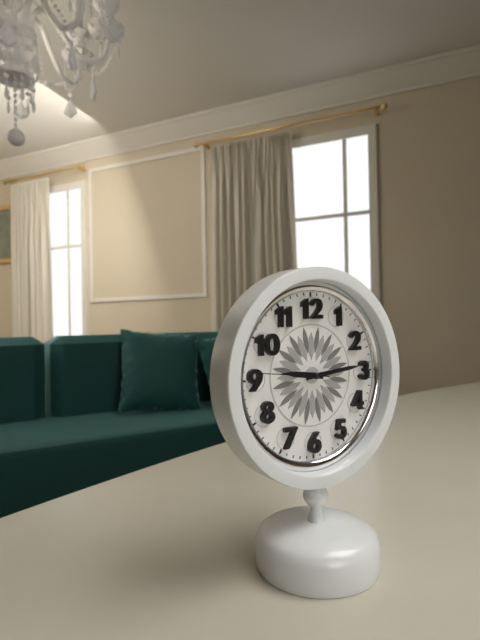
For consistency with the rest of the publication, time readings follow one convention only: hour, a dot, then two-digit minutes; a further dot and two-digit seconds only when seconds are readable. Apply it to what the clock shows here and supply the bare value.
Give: 9.14.46
